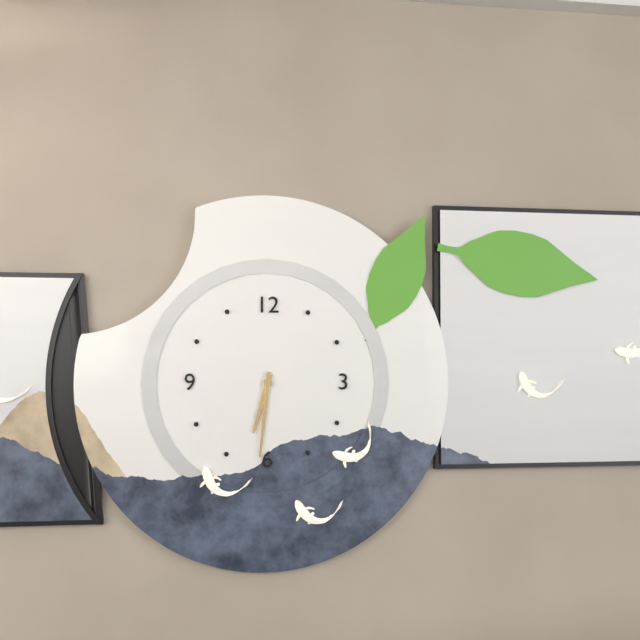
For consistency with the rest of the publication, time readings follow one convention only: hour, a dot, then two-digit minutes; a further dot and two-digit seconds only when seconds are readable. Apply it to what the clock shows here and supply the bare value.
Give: 6.31
